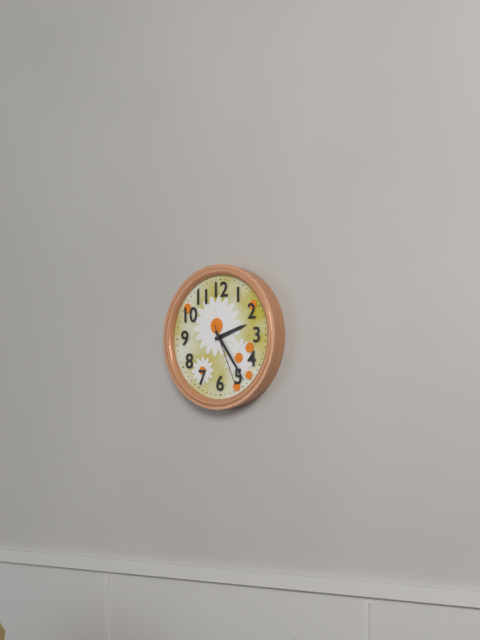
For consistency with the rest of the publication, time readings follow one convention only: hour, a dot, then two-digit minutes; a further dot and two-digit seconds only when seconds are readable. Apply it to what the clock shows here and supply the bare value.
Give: 2.24.26
